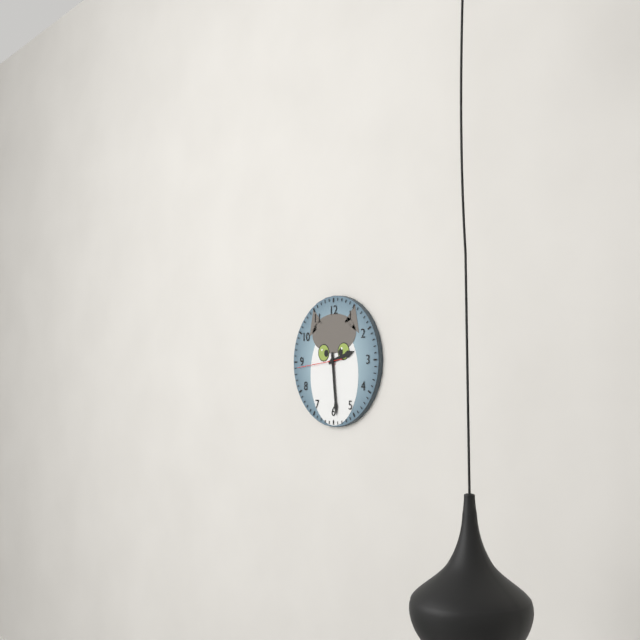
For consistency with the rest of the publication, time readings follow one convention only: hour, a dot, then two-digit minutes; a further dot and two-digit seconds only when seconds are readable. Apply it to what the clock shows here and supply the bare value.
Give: 2.29.44
